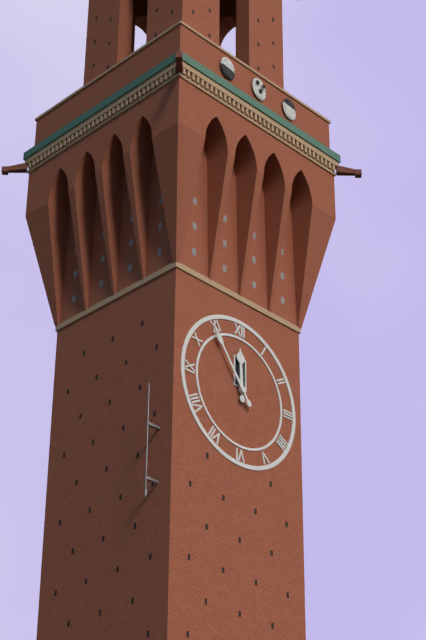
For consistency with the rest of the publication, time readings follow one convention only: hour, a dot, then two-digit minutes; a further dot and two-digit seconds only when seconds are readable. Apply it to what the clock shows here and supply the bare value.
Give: 11.54
